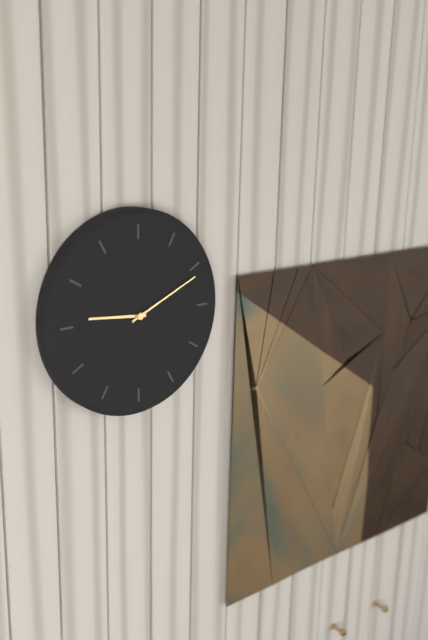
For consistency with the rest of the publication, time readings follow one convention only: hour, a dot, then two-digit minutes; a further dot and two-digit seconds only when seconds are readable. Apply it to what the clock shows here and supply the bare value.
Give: 9.11
